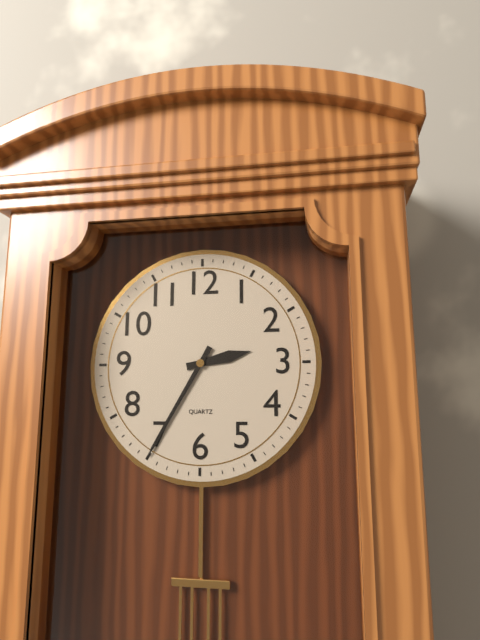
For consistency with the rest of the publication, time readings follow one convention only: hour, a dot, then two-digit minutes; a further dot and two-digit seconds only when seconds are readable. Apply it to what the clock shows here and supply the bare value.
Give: 2.35
